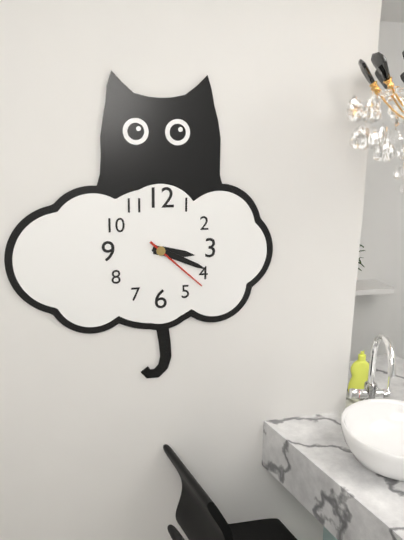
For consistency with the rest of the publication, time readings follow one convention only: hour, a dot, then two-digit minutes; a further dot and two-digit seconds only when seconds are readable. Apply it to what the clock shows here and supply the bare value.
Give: 3.19.22
